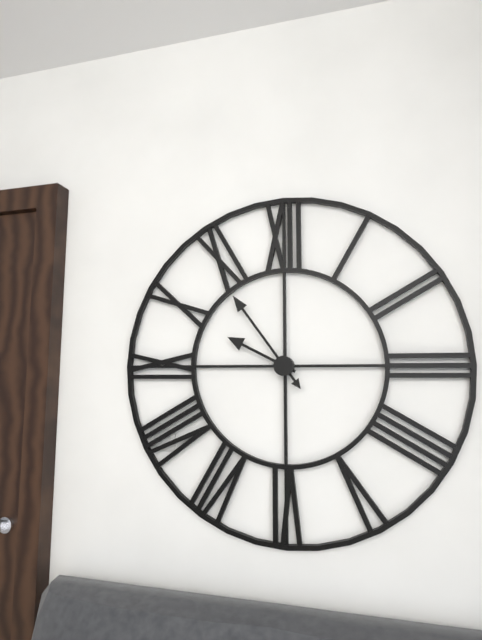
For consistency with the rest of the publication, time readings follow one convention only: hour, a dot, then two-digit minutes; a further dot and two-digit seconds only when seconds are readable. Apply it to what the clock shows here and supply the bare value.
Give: 9.54
